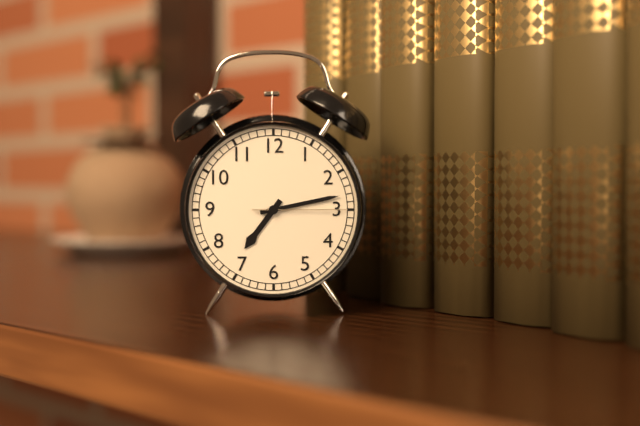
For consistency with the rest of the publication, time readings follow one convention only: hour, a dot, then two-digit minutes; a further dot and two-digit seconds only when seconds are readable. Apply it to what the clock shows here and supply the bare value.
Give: 7.13.15
